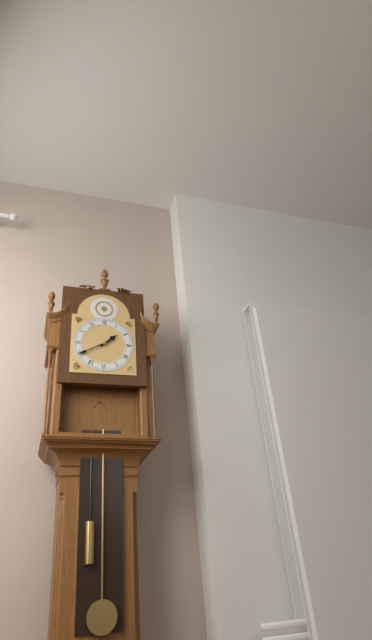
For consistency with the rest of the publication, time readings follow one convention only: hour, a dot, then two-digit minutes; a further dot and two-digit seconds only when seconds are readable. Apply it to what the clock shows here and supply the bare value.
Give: 1.40
